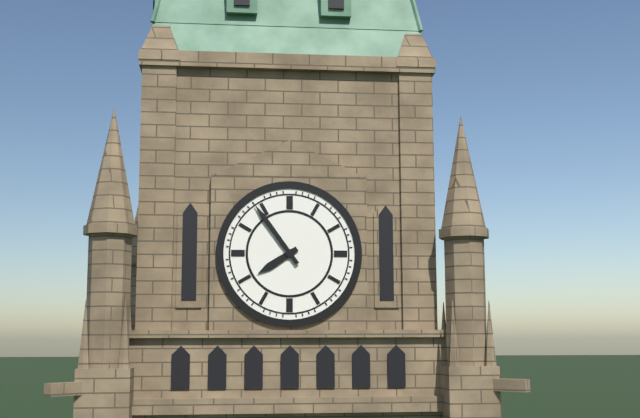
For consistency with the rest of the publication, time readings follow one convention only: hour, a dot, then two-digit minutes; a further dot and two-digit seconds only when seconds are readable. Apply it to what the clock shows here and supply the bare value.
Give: 7.54
